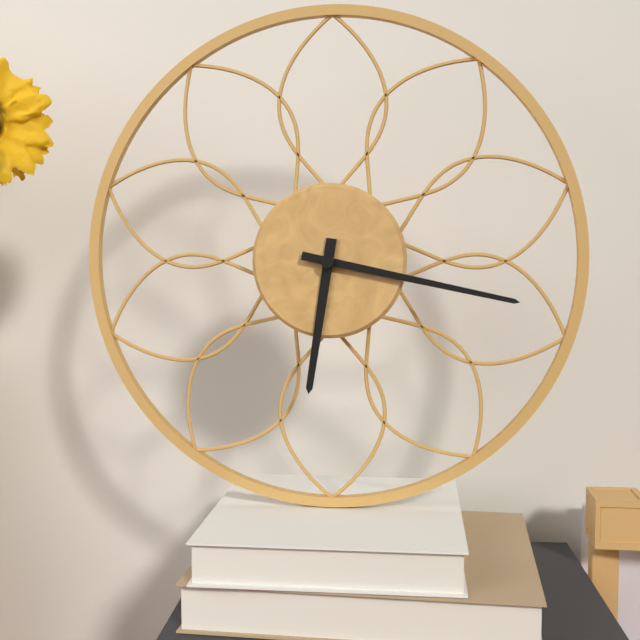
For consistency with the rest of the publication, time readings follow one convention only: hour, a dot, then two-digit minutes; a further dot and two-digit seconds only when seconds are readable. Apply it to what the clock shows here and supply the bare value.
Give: 6.17
